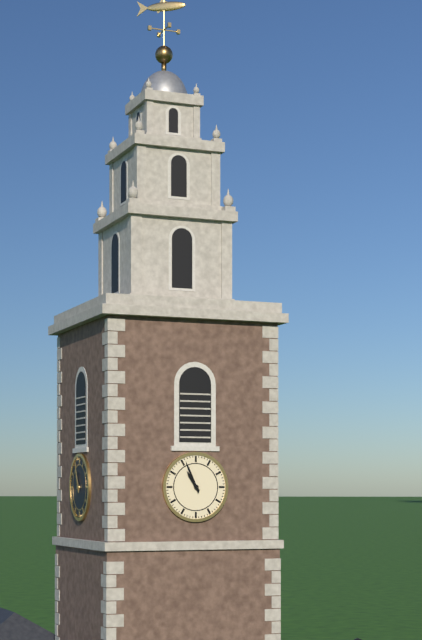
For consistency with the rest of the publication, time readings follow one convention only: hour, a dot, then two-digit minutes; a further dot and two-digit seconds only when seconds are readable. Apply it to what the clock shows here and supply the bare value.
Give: 10.56
